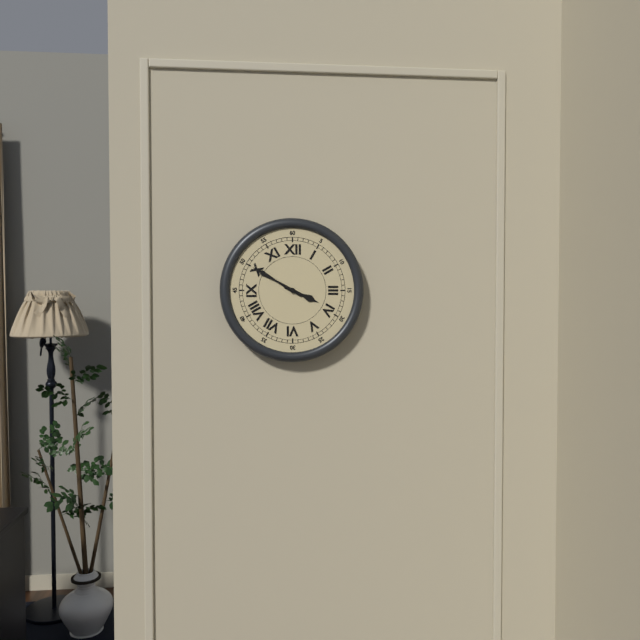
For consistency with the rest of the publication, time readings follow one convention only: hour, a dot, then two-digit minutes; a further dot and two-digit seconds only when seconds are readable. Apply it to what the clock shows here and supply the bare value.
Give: 3.50
